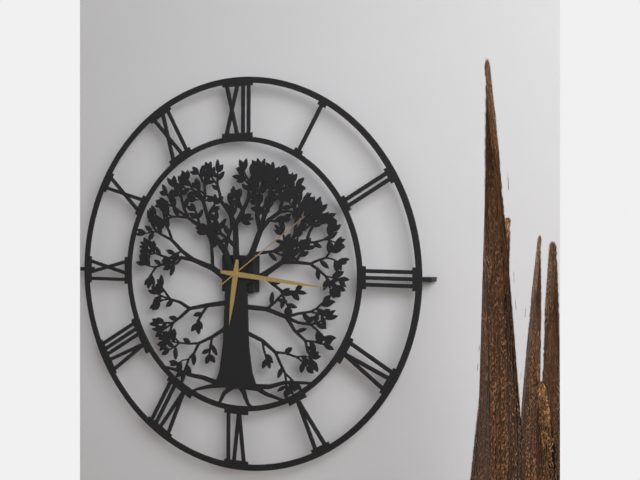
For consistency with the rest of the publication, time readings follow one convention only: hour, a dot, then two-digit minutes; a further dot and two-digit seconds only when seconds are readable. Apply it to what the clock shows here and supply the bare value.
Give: 6.16.09
